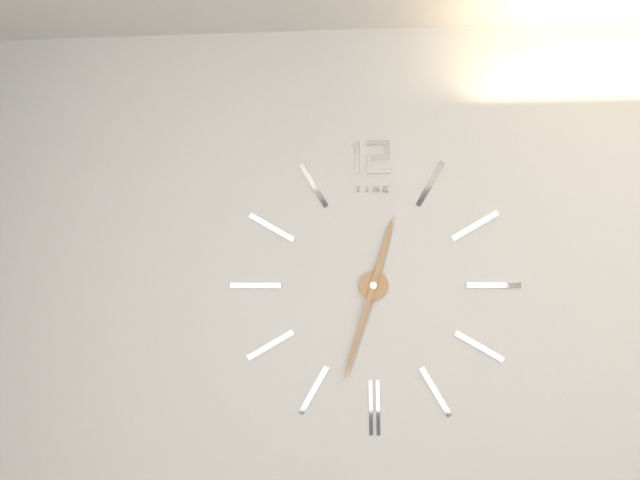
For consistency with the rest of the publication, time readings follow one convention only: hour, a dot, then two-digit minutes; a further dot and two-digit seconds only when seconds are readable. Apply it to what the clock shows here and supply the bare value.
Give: 12.33
